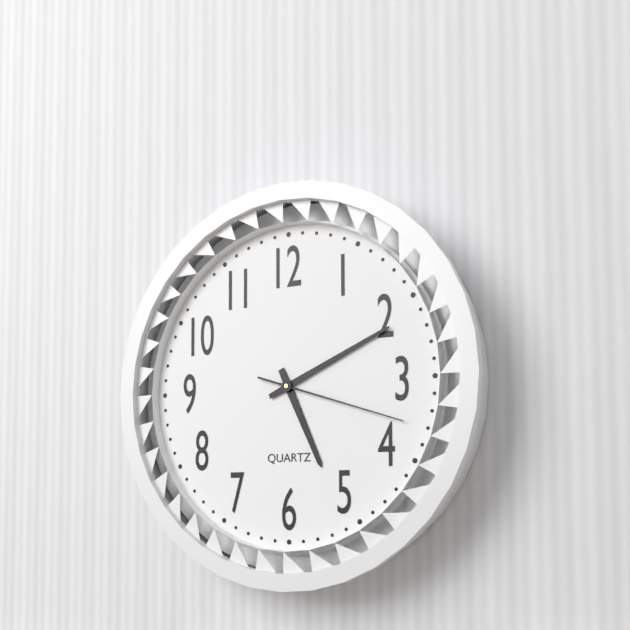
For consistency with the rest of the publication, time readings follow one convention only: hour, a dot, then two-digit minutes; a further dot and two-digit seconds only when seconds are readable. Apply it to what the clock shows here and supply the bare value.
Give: 5.11.18
